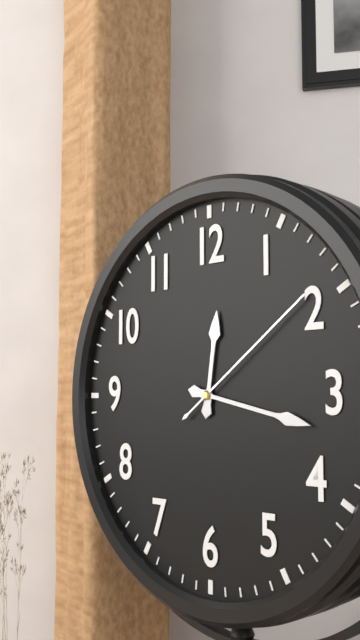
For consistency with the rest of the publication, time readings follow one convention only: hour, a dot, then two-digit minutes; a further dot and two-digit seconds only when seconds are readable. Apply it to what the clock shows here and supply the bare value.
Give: 12.17.09
